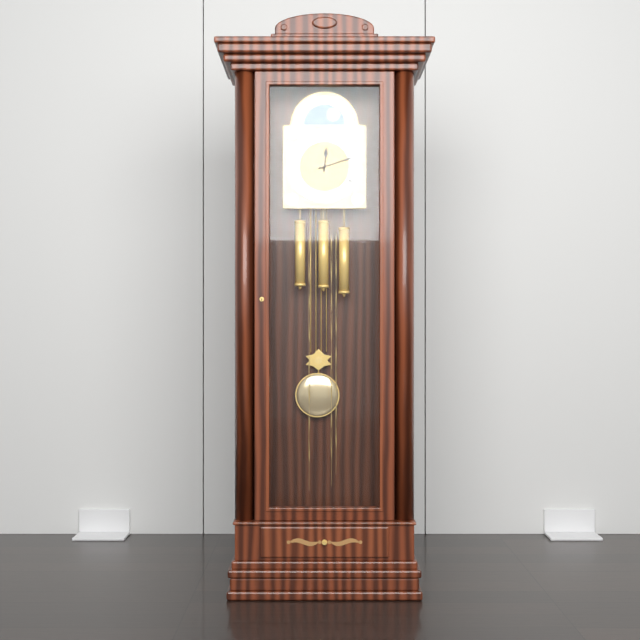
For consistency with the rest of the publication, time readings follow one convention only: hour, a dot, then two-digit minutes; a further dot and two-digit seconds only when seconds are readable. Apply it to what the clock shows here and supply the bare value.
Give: 12.12
